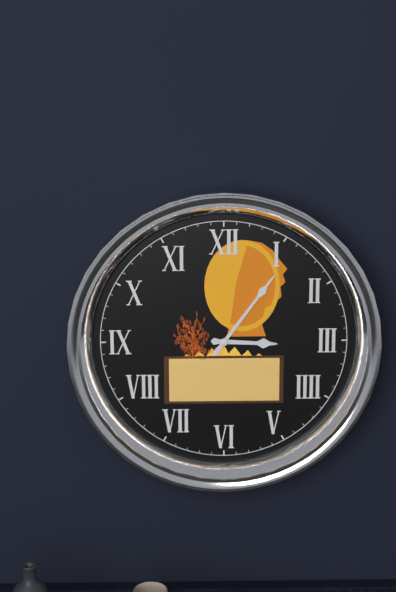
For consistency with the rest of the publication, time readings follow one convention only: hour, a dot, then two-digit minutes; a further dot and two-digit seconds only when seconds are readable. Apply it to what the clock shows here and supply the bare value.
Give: 3.06
